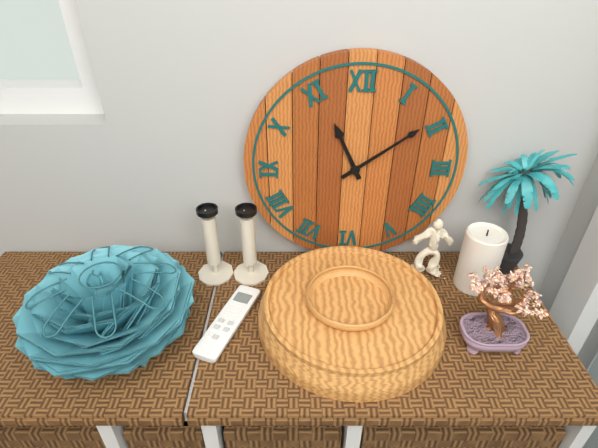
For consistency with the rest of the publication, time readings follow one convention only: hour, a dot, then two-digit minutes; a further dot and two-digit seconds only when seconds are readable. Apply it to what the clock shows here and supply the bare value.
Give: 11.09
